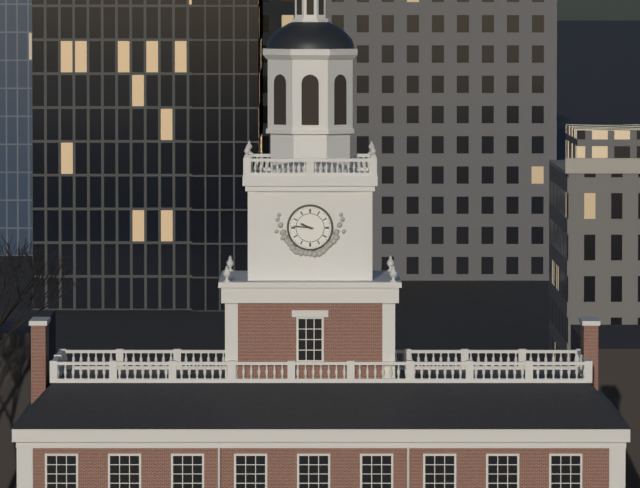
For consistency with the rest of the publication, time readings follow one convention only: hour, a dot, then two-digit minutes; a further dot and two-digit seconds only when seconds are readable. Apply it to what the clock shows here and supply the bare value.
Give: 9.46
